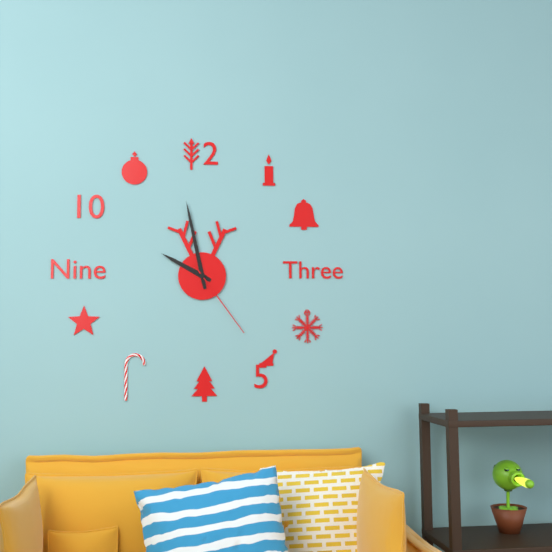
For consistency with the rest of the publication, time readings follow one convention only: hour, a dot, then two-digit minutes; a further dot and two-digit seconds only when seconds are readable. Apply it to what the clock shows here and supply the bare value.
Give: 9.58.24
